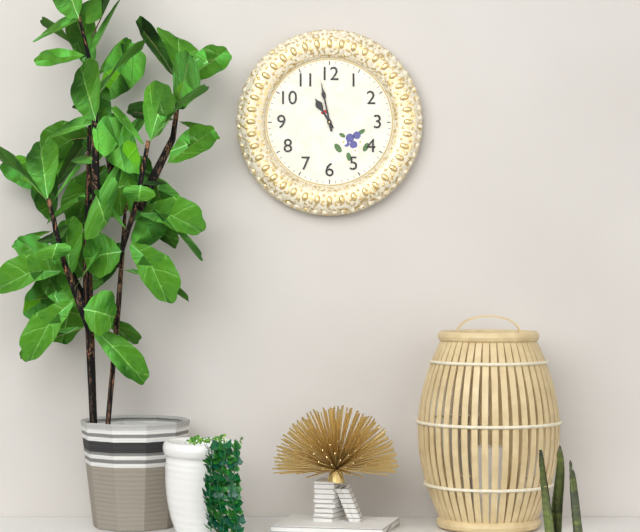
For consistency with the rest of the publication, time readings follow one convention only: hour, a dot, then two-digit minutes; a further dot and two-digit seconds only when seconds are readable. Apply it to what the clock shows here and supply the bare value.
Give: 10.58
